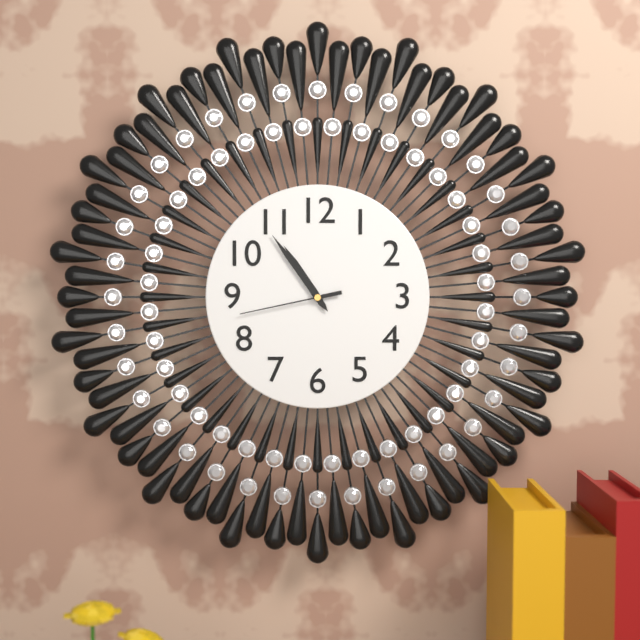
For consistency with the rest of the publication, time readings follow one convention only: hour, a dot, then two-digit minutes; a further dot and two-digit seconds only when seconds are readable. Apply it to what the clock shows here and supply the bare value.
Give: 10.54.43
